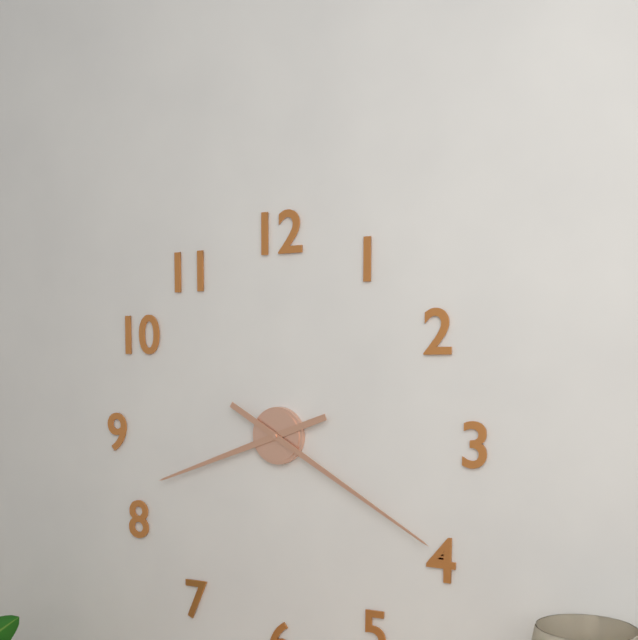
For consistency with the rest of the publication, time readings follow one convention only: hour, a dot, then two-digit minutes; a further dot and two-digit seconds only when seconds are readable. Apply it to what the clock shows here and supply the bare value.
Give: 8.20
